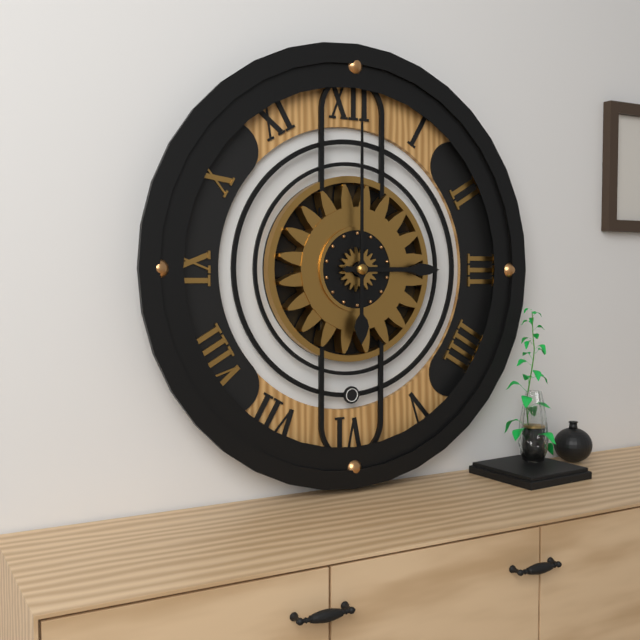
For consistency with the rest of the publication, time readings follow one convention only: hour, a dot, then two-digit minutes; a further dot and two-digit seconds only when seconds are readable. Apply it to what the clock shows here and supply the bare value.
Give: 3.00
